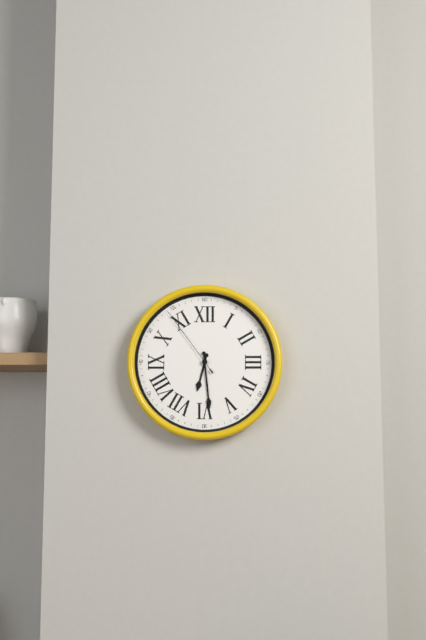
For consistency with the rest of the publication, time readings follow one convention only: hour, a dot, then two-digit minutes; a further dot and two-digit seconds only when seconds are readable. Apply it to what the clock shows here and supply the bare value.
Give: 6.29.54
